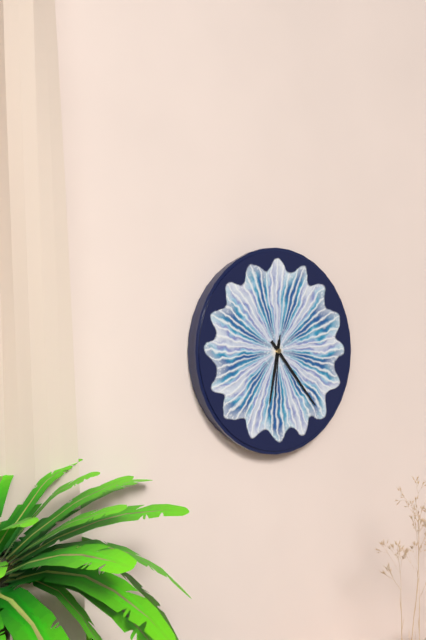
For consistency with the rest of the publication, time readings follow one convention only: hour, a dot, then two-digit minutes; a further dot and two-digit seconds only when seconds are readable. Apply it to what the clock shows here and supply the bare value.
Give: 6.23.31
